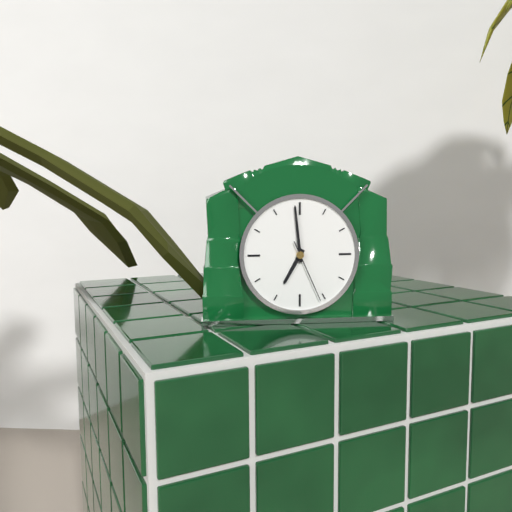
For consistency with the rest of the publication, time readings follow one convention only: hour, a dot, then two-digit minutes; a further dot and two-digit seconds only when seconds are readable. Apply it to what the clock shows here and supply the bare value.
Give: 6.59.26
